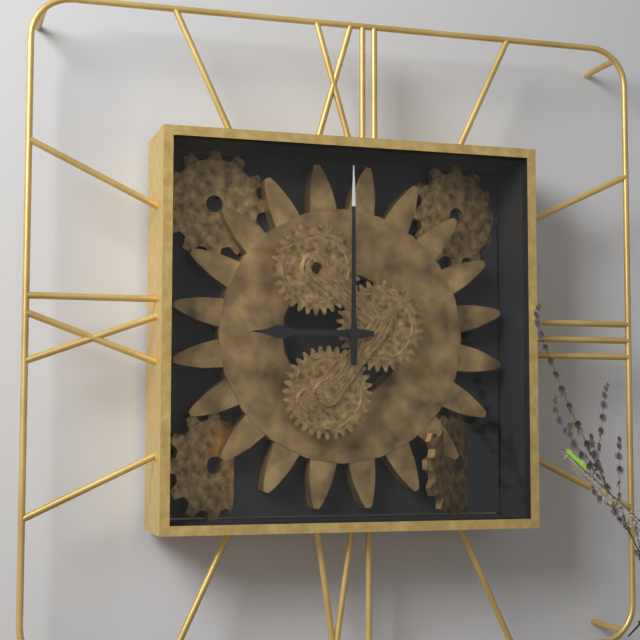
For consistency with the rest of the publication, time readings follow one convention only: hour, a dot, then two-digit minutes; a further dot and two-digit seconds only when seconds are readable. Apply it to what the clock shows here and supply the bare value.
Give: 9.00
